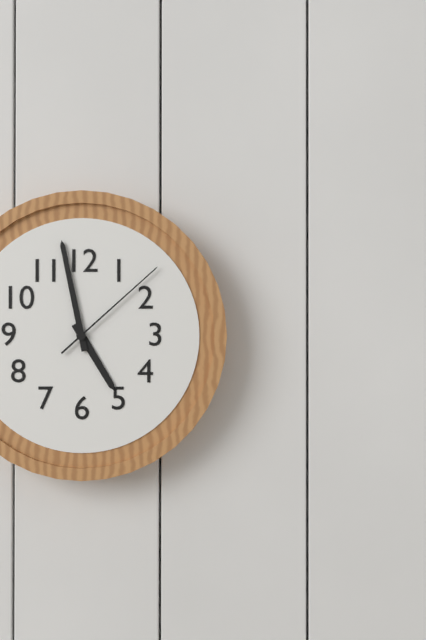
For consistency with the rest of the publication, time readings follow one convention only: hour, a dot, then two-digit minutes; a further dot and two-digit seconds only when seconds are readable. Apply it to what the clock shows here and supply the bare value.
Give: 4.58.08
